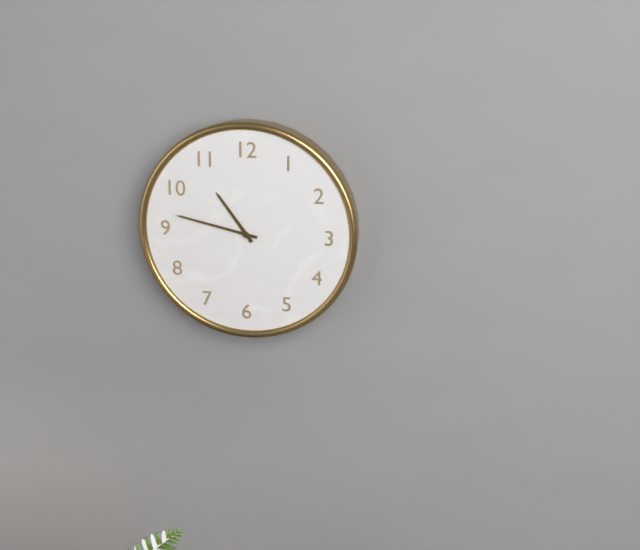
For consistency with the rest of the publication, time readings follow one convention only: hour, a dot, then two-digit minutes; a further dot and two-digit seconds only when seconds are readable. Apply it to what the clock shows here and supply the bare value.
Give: 10.47
